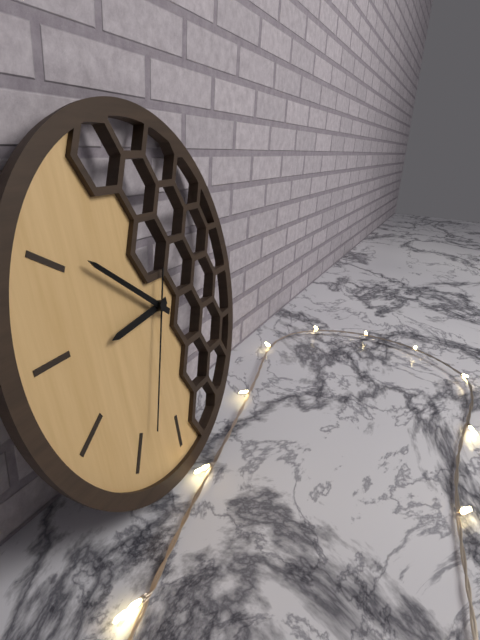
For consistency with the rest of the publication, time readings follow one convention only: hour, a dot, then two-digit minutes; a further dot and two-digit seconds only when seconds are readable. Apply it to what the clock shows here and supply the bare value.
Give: 8.51.34
